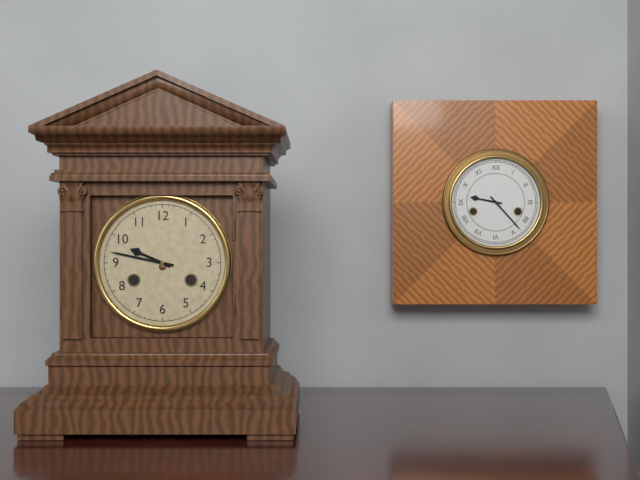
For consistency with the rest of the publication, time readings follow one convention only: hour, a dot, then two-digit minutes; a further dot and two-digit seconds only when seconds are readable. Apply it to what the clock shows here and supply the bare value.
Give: 9.47
